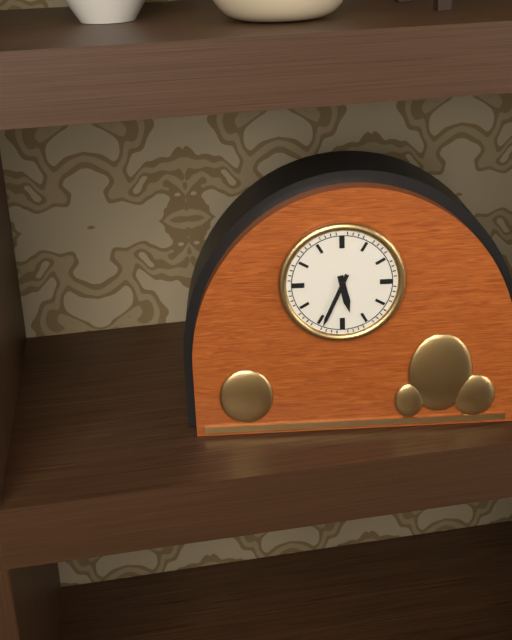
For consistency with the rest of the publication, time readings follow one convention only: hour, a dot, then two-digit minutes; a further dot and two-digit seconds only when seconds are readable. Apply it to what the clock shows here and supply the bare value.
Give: 5.34
